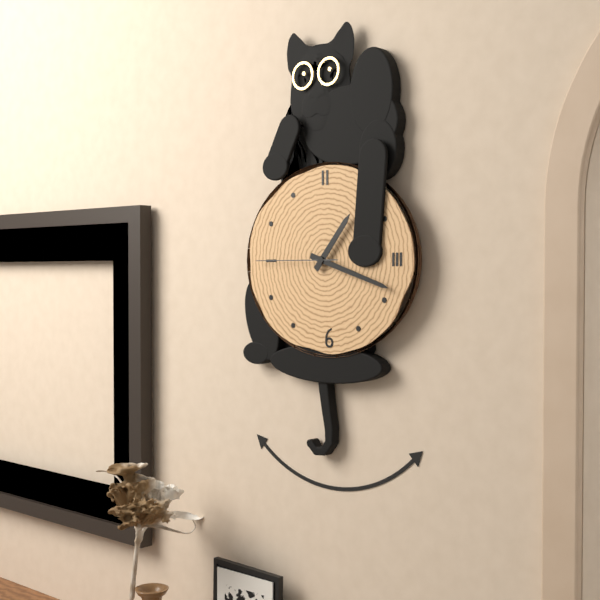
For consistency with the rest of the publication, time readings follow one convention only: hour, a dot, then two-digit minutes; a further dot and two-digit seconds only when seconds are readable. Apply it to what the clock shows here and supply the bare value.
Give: 1.18.45
